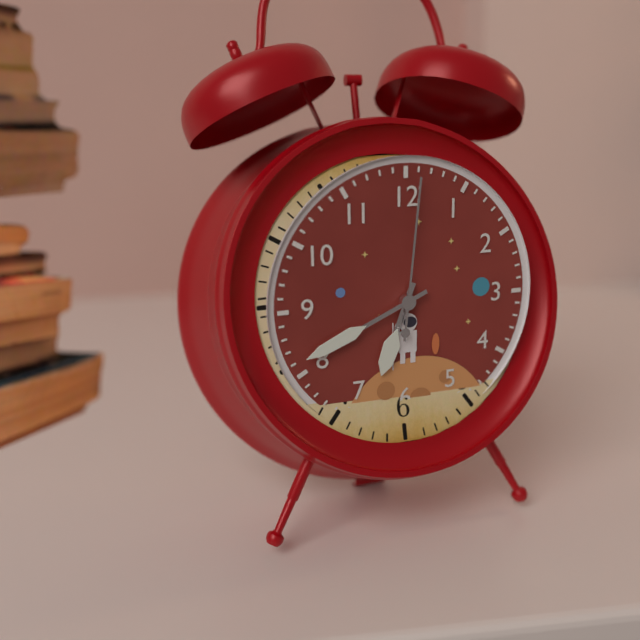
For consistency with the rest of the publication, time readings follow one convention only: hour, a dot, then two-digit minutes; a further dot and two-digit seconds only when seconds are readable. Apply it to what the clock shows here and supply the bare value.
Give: 6.41.01
